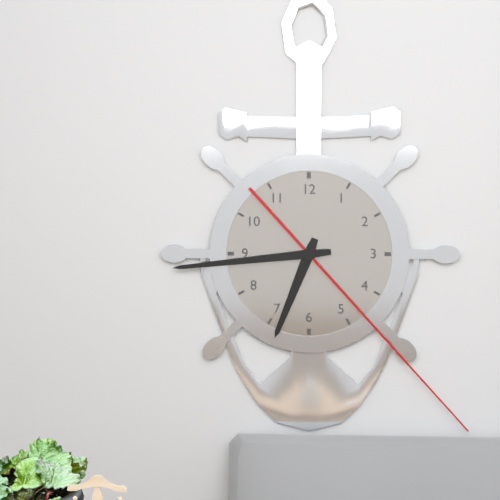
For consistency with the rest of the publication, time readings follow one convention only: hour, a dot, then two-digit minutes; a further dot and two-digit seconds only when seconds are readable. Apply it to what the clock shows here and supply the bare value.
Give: 6.44.23
